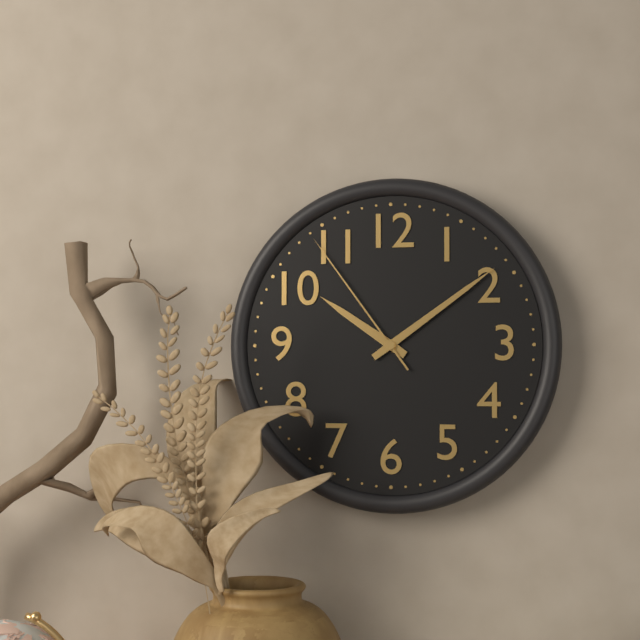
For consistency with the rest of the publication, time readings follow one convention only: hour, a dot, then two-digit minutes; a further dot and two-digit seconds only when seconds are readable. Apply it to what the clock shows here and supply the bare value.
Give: 10.09.54
